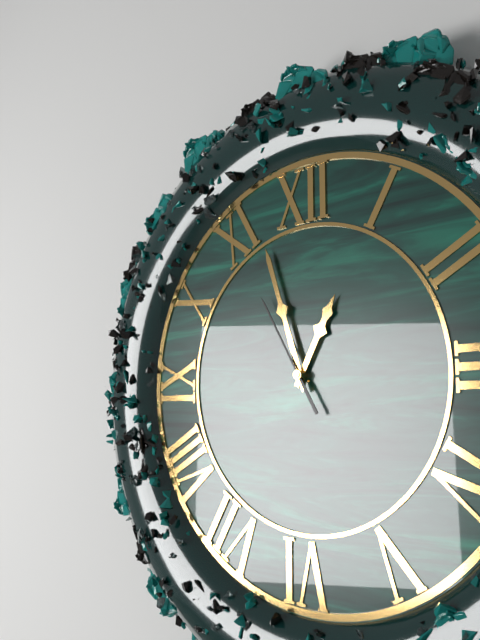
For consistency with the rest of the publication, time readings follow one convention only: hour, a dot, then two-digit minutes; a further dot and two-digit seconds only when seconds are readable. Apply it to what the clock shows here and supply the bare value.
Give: 12.57.55
